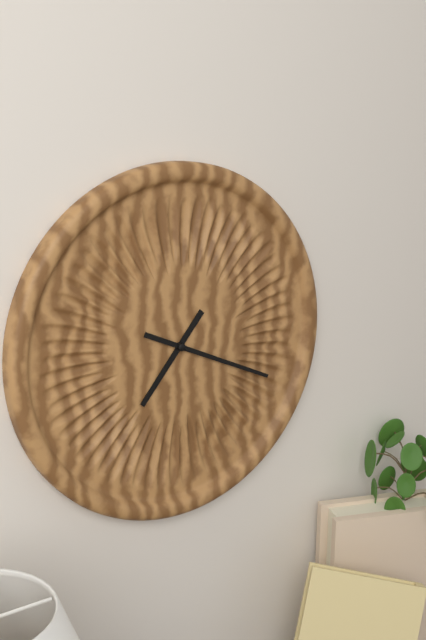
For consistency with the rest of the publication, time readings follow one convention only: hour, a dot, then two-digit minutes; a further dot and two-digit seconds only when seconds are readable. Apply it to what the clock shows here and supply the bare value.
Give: 7.19
